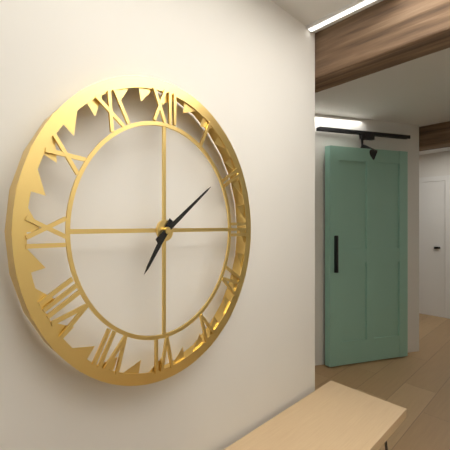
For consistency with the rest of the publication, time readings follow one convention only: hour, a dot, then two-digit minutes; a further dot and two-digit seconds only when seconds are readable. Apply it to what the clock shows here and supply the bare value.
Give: 7.09
